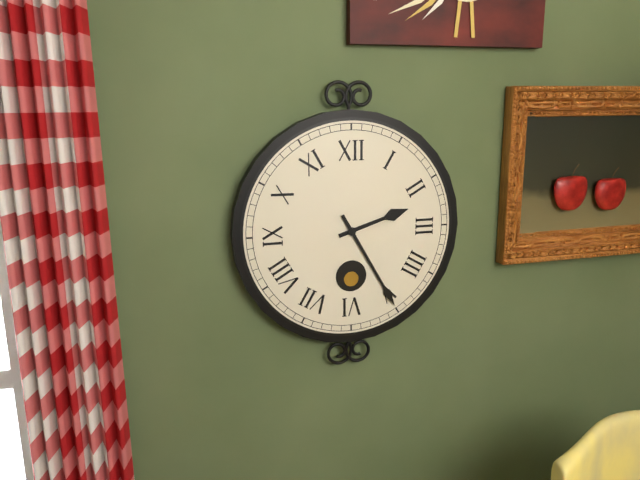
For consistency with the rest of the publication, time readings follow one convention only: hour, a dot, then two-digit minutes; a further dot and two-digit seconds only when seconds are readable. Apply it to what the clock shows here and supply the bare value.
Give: 2.25
